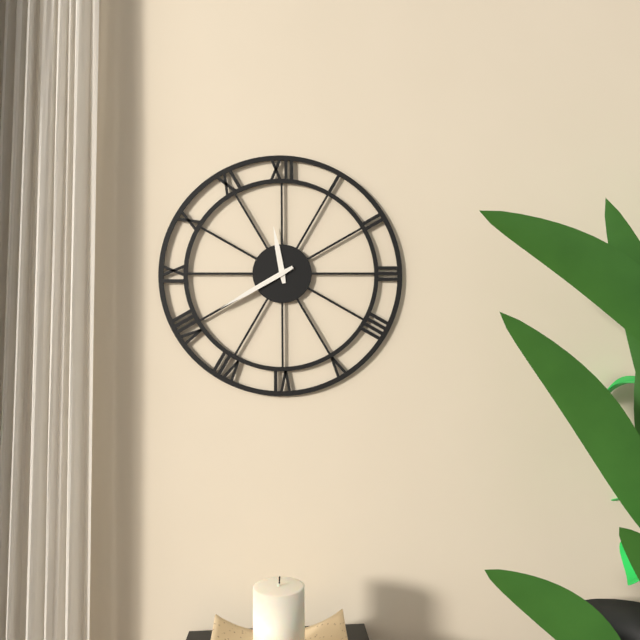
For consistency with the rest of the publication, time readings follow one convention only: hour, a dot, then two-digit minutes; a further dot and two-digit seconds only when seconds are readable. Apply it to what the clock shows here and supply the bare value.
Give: 11.40
